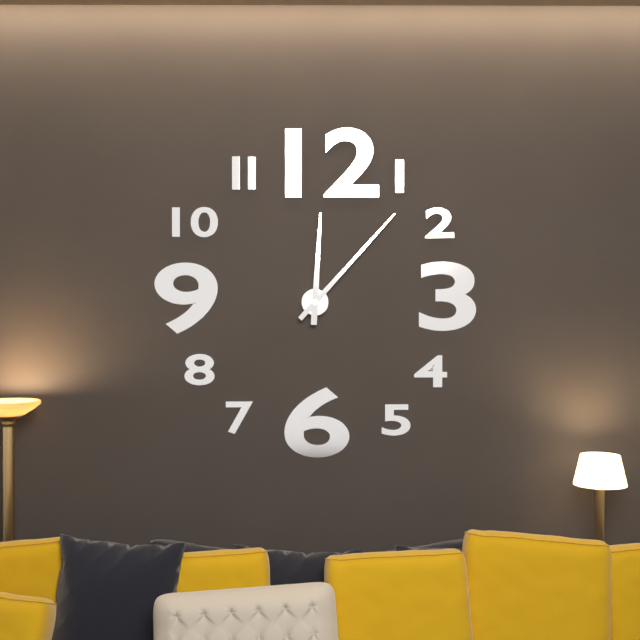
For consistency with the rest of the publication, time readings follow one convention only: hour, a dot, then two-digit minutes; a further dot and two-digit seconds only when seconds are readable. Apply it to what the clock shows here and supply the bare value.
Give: 12.07
